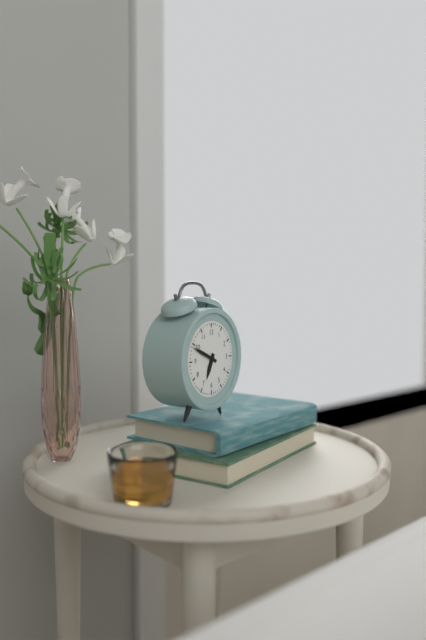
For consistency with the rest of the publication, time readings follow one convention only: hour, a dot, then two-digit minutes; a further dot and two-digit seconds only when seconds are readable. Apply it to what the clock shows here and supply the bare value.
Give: 6.49
